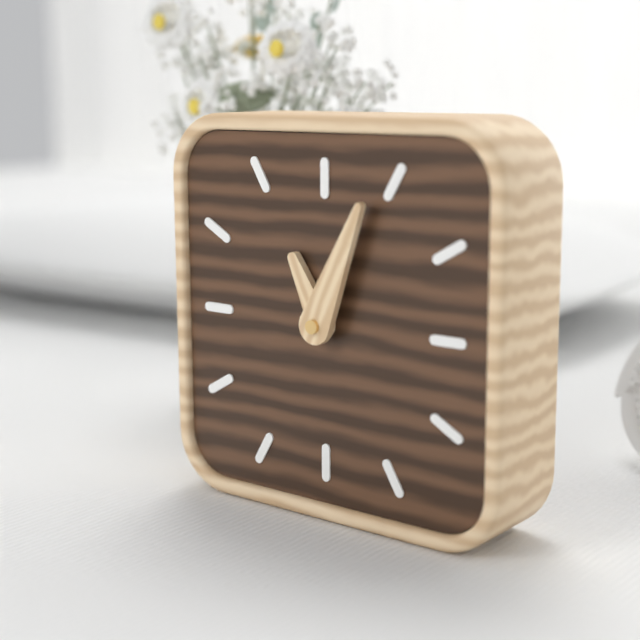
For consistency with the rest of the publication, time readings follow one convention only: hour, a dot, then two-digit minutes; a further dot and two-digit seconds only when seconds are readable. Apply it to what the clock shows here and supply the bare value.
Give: 11.04
